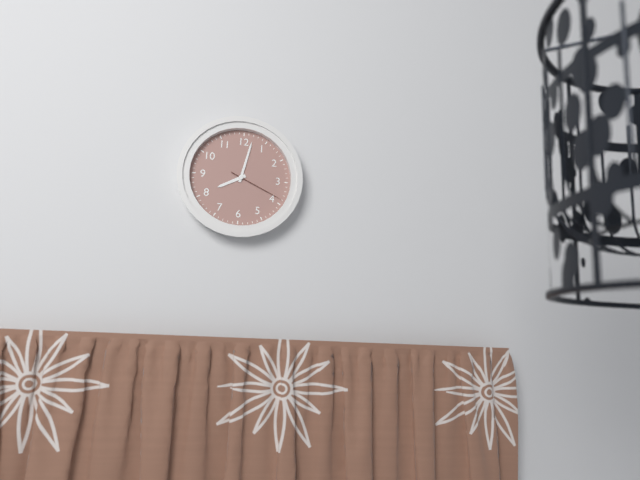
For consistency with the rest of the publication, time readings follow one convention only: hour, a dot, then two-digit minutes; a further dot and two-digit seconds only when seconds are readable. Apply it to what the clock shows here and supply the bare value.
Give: 8.02.19
